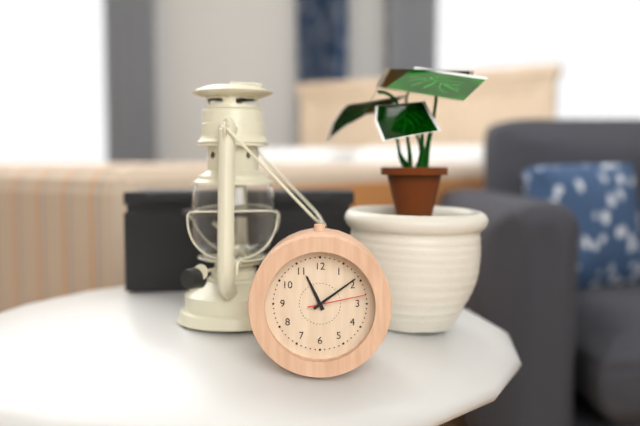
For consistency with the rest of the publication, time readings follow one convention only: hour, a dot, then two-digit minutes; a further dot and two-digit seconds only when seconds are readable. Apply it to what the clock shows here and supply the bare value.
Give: 11.09.13
